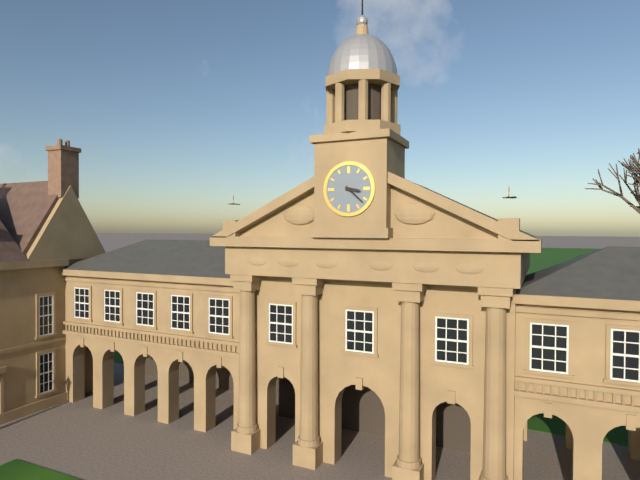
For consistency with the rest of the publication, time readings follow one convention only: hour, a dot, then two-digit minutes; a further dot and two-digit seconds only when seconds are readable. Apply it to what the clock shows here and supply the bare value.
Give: 3.22
